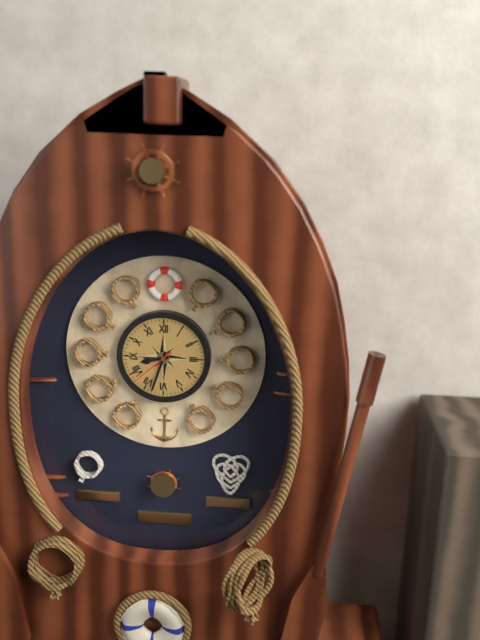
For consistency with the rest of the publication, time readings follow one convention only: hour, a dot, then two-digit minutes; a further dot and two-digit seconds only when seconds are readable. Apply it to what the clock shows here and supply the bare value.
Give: 8.33
